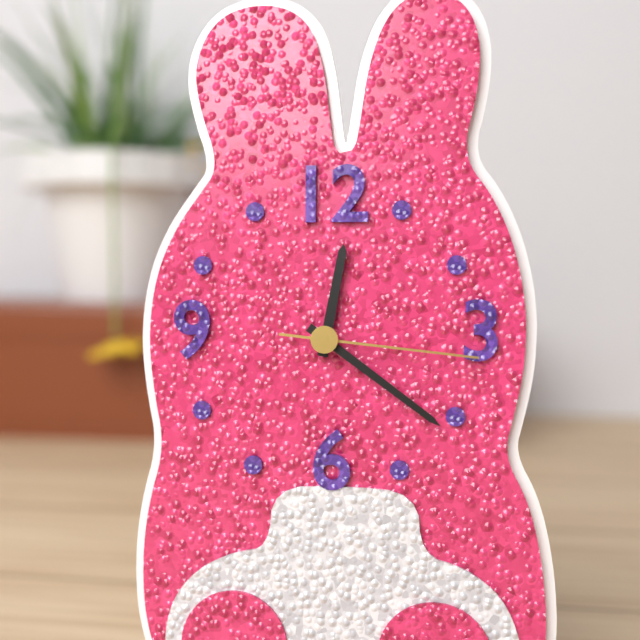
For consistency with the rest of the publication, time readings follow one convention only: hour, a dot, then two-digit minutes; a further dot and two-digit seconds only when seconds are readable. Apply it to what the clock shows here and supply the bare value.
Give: 12.21.16
